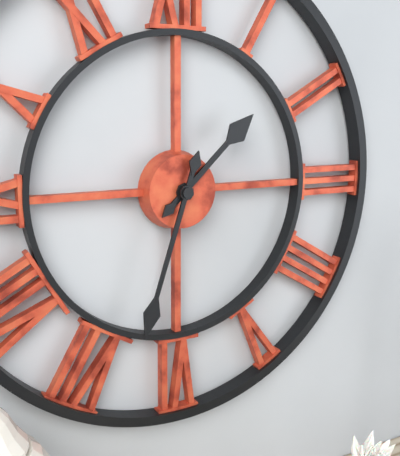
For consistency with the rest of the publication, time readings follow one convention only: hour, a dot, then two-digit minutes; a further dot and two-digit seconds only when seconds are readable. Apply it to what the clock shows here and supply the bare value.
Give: 1.33
